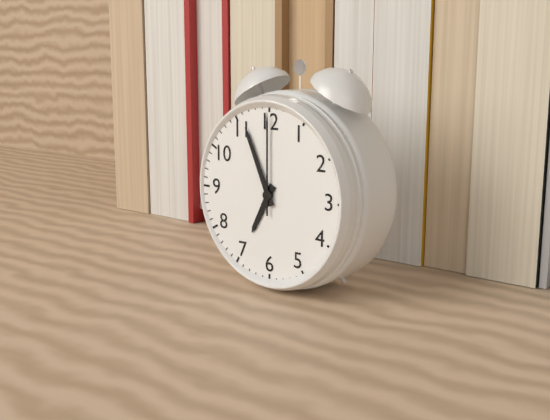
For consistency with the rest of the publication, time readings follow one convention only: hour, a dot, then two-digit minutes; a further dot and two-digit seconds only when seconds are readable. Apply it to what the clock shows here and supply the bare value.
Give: 6.56.00
